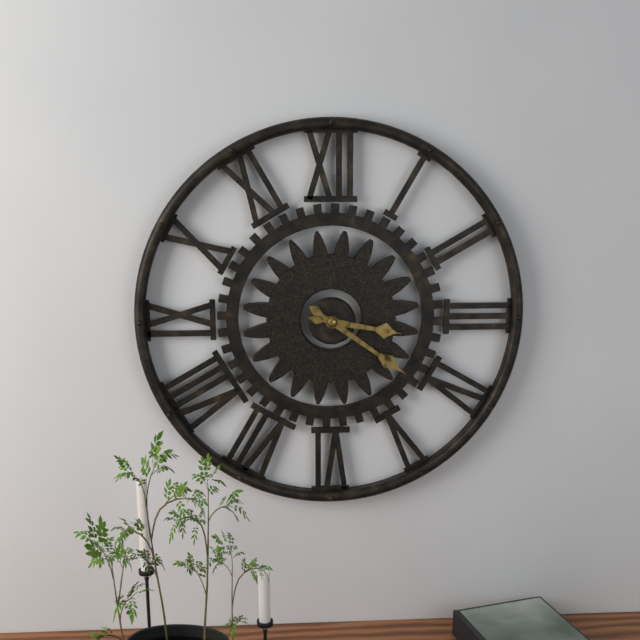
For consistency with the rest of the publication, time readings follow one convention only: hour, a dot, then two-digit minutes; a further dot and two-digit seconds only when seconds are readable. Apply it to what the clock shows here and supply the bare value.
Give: 3.21
